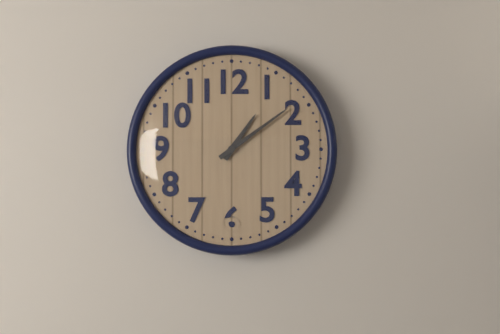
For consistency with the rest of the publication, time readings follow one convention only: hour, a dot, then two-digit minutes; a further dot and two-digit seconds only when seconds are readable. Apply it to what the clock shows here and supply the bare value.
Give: 1.09
